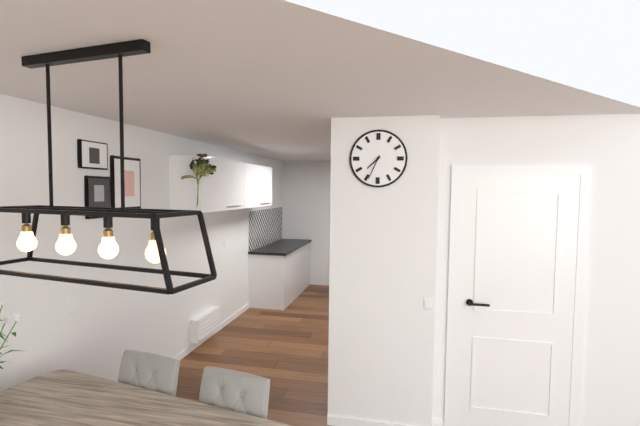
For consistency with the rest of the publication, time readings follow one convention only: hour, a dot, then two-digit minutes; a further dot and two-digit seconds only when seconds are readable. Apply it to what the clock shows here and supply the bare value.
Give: 7.34
